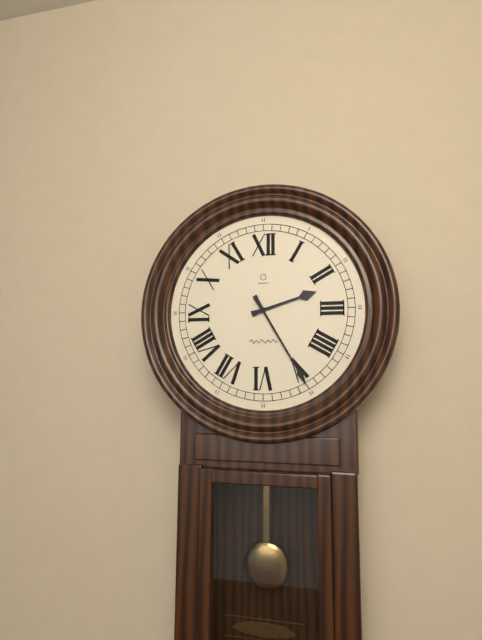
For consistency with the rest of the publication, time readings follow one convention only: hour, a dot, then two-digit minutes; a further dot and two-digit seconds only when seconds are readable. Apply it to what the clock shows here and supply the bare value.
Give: 2.25
